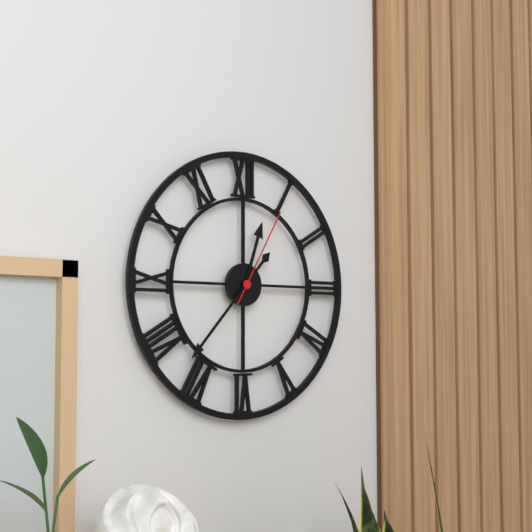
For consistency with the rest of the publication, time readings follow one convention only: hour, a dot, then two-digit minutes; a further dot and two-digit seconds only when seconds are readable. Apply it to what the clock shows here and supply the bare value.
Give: 12.37.05
